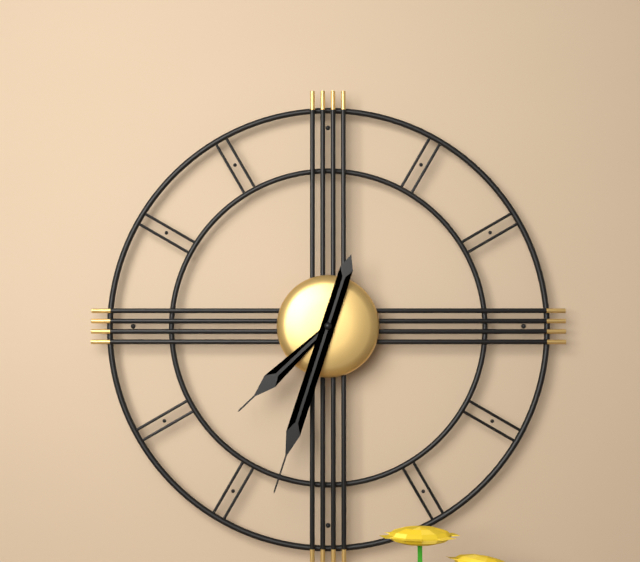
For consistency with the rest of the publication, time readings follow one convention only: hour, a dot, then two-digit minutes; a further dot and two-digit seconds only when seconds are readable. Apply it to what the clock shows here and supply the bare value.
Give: 7.33
